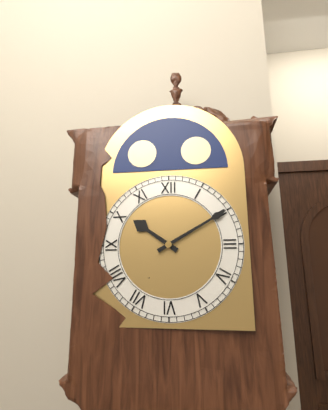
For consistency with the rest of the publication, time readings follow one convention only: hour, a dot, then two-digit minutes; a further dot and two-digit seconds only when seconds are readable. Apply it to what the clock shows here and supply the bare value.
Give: 10.10
